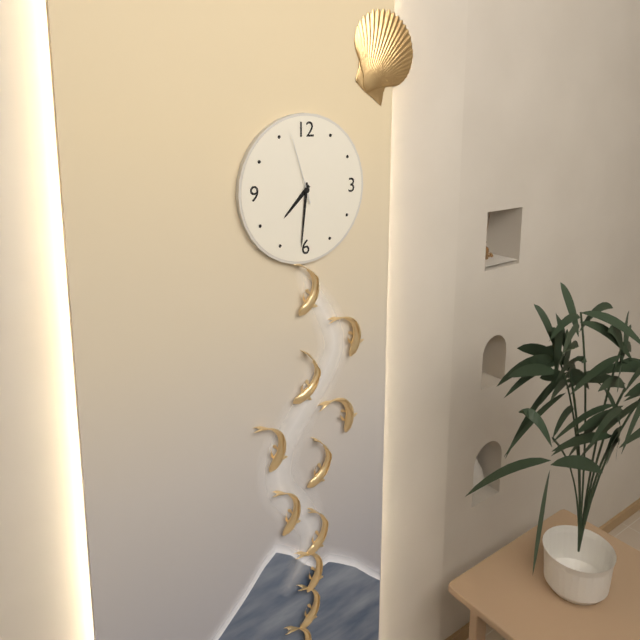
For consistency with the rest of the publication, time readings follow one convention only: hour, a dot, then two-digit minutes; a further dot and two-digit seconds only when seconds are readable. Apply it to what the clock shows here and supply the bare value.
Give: 7.31.57
